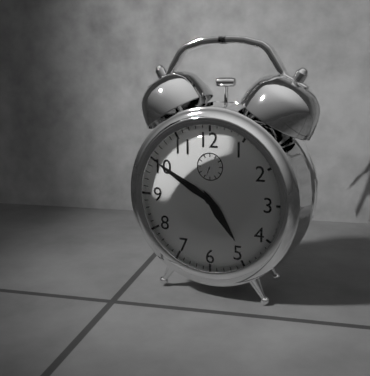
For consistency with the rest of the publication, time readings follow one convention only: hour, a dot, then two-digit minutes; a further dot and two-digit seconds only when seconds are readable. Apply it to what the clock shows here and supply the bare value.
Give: 4.50
